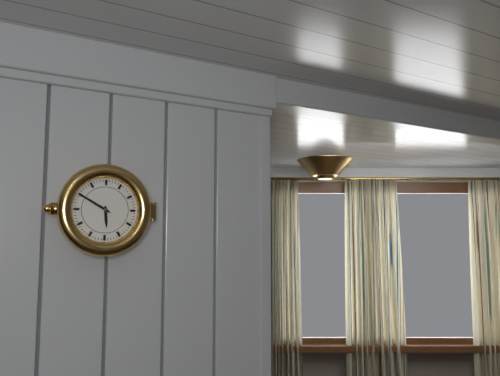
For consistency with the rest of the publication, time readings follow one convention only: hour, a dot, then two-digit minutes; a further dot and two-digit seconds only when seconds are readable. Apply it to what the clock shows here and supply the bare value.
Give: 5.50
